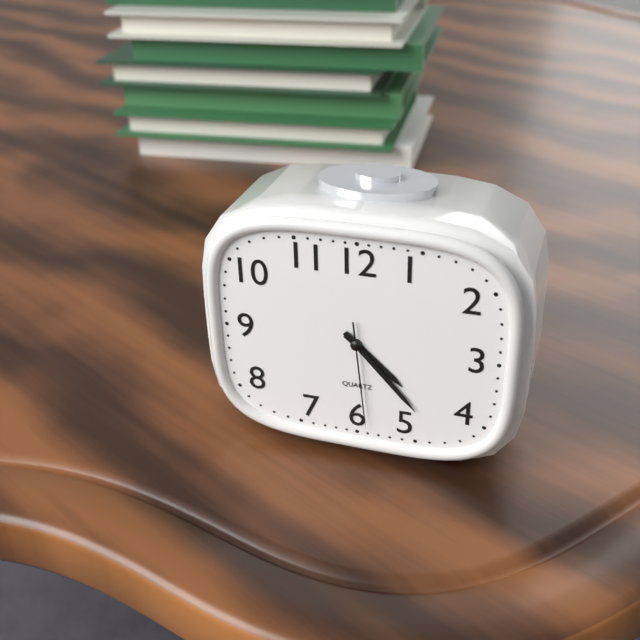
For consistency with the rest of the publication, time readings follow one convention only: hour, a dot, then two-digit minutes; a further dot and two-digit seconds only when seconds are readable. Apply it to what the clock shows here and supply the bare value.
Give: 4.23.29
